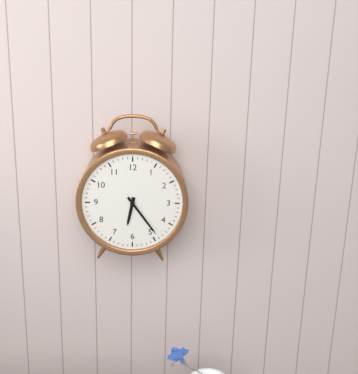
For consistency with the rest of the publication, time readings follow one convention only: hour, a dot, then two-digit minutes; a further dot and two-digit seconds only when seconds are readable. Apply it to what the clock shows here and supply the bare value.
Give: 6.24
